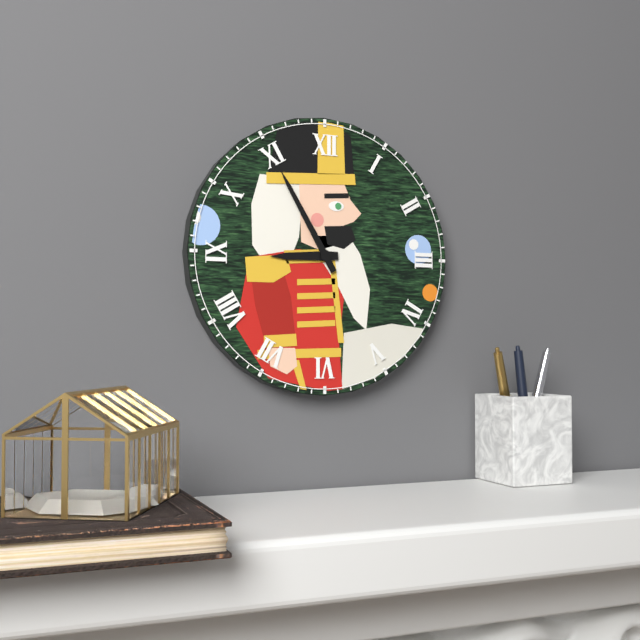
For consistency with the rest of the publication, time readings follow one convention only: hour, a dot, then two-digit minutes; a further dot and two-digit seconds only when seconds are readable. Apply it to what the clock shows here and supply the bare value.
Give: 8.55
